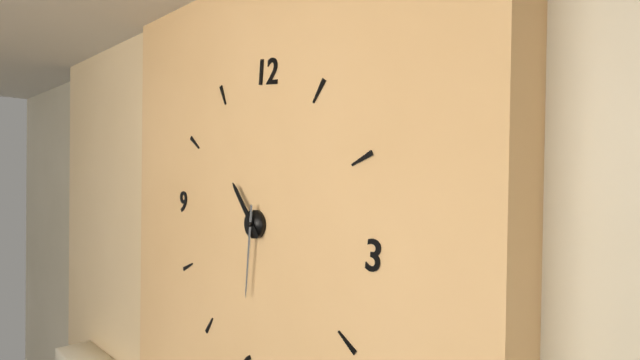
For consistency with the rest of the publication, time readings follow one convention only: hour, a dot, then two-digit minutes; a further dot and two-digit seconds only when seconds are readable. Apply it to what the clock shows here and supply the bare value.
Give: 10.30
